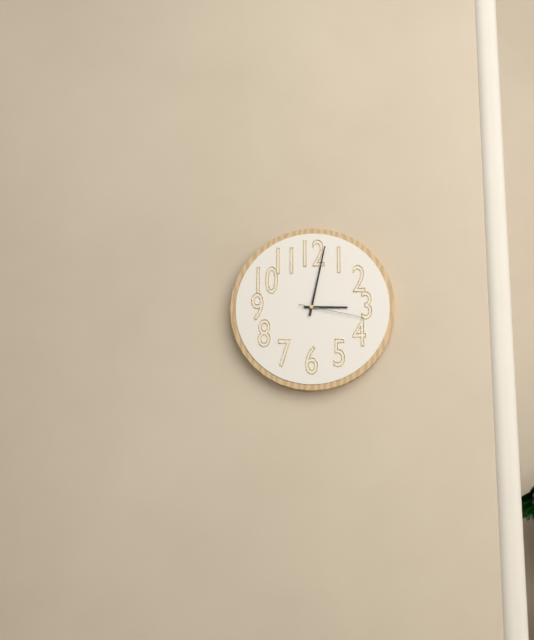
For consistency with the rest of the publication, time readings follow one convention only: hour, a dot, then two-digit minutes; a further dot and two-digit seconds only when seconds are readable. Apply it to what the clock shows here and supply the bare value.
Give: 3.02.17
